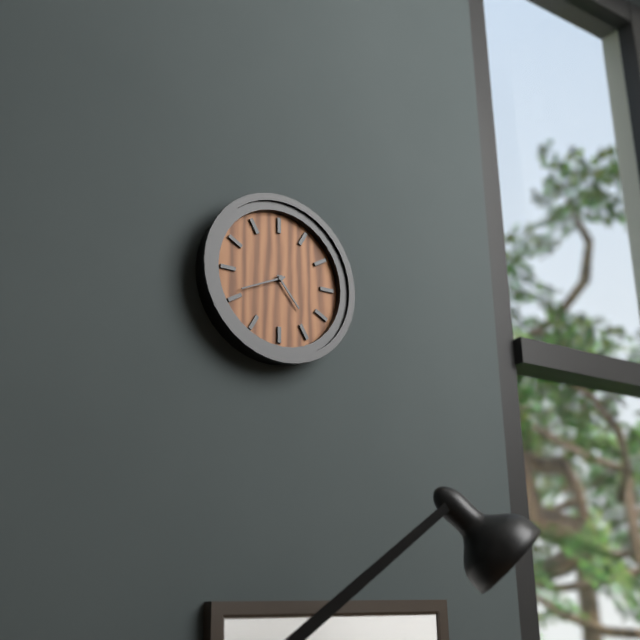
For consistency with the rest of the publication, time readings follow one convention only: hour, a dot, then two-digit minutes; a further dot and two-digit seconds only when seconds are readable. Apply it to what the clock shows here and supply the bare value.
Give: 4.41
